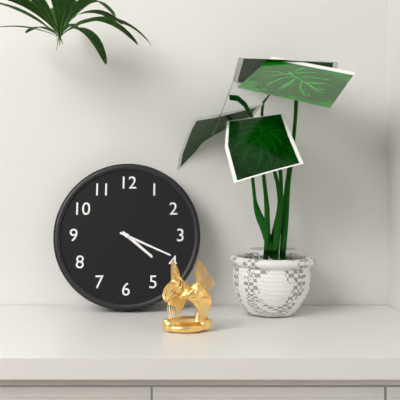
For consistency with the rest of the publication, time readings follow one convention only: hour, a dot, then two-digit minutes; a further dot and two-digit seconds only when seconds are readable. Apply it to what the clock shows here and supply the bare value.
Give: 4.19
